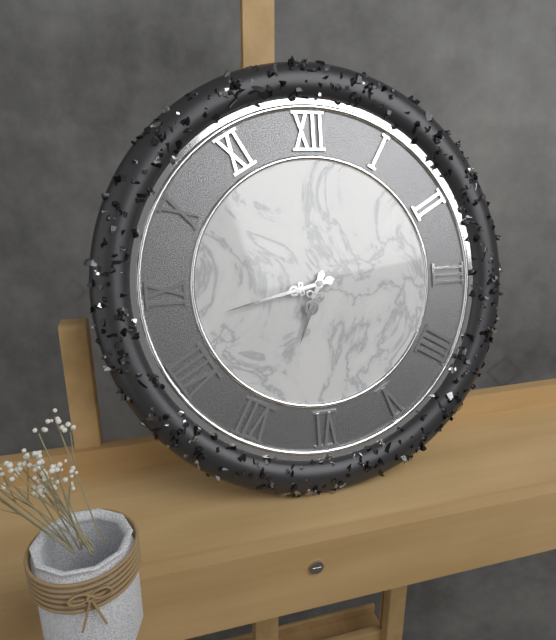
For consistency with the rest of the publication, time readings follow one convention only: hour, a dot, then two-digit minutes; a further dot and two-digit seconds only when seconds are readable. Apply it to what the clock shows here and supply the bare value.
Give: 6.43
